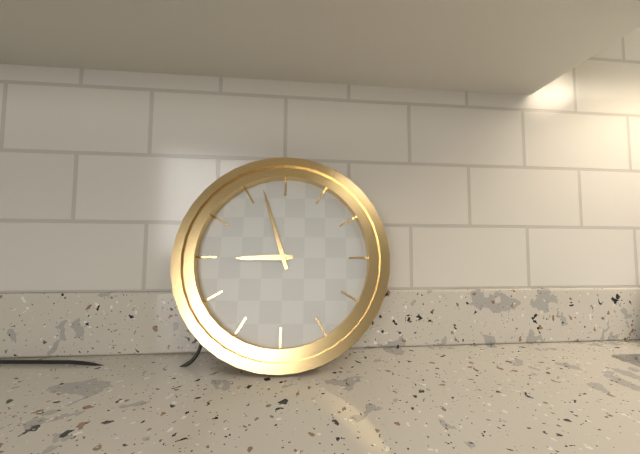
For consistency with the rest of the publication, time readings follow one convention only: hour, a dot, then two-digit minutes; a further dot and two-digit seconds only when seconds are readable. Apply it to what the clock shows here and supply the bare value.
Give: 8.57
